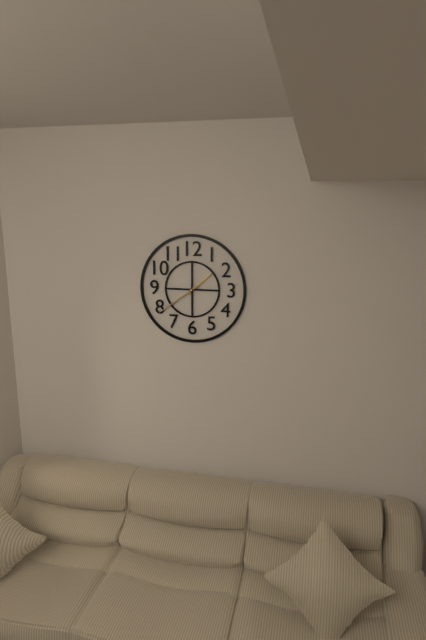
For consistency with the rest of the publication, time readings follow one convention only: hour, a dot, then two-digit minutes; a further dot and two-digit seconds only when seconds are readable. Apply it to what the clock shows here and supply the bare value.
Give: 1.39
